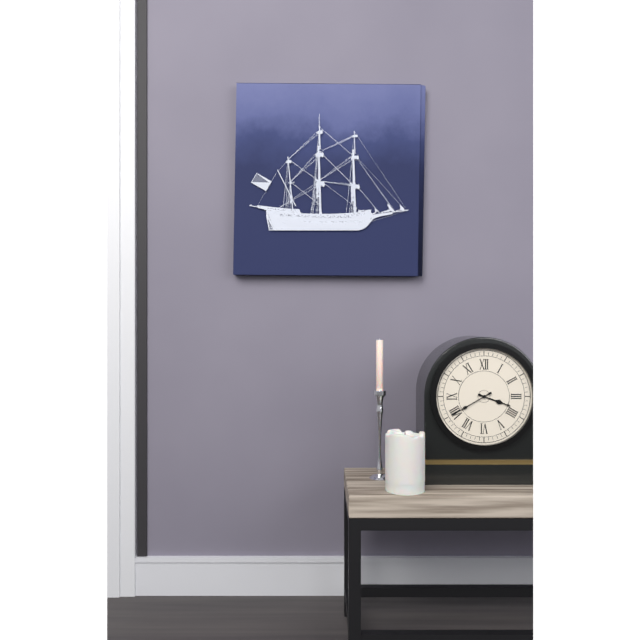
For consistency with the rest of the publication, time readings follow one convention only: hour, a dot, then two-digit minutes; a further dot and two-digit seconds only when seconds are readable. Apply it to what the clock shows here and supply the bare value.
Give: 3.40
